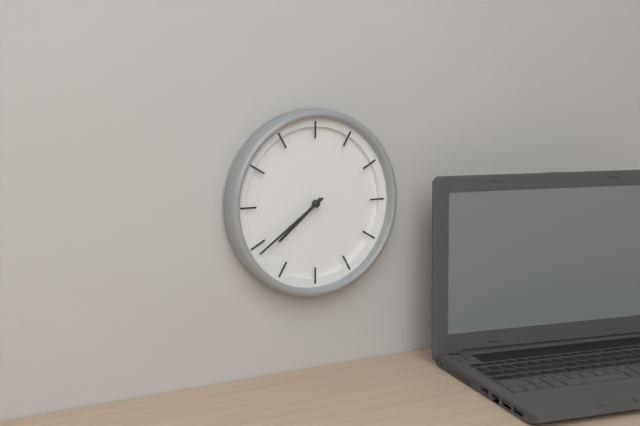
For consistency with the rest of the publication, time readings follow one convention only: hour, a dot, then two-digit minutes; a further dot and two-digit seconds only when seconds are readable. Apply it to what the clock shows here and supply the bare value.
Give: 7.39
